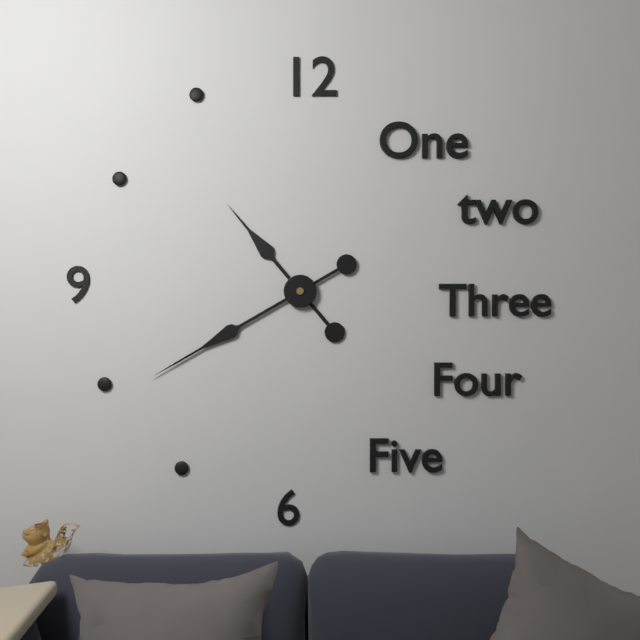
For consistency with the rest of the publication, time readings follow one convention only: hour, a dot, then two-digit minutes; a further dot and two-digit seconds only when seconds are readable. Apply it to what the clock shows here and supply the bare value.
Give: 10.40
